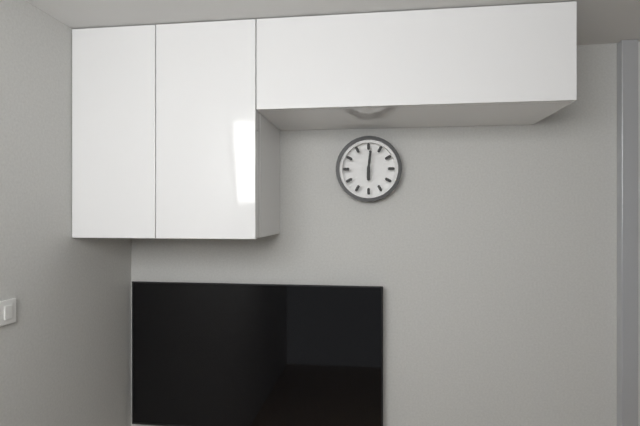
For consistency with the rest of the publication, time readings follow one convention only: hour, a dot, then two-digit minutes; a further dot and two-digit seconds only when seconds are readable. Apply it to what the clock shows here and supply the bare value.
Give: 6.01
